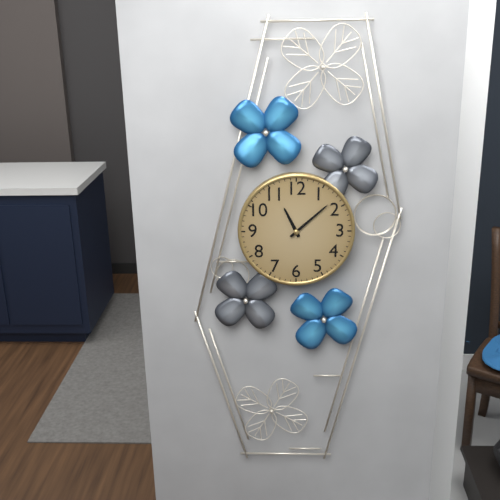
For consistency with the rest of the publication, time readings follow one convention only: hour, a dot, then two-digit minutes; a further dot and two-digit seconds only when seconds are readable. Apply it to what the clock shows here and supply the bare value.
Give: 11.08
